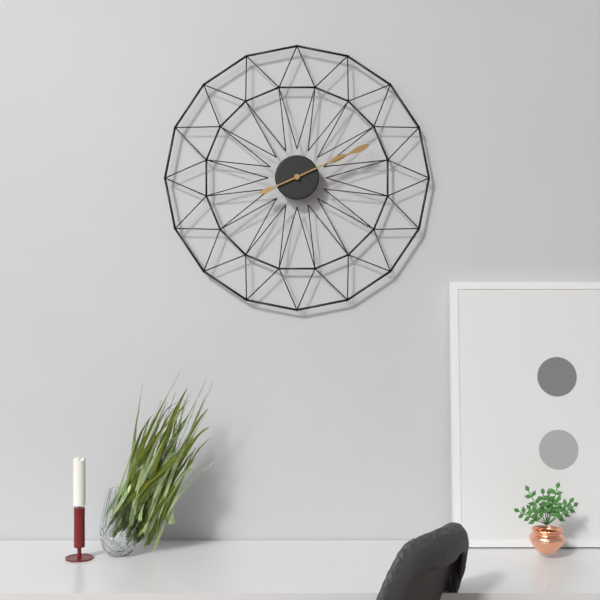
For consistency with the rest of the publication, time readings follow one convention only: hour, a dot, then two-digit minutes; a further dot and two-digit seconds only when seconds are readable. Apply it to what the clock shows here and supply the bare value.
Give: 2.11
